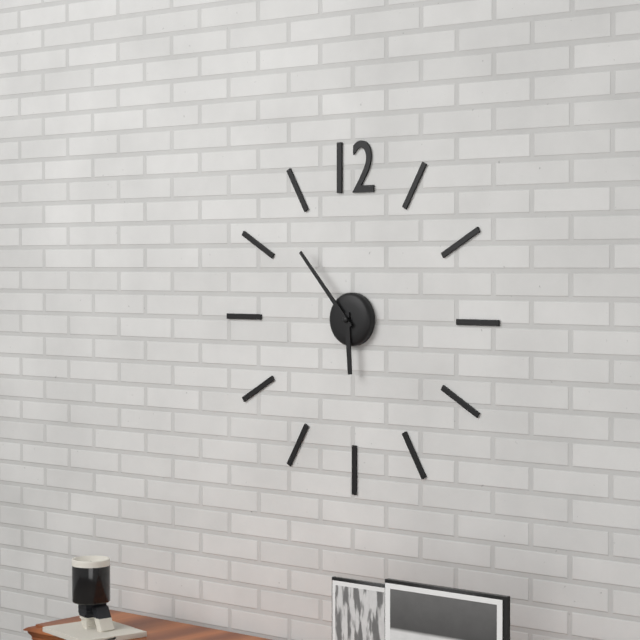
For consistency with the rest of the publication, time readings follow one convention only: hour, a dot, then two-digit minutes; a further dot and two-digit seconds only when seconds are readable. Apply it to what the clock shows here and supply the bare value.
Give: 5.53
